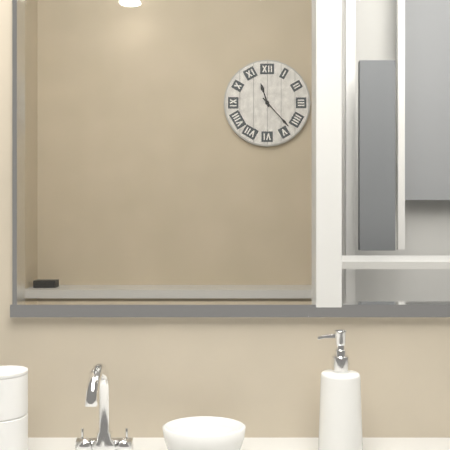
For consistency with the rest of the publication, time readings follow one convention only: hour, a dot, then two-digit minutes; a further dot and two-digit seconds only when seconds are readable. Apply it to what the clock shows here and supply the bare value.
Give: 11.23
